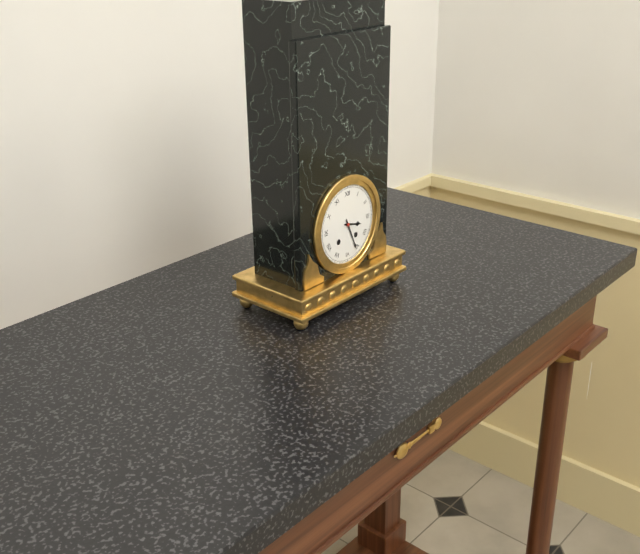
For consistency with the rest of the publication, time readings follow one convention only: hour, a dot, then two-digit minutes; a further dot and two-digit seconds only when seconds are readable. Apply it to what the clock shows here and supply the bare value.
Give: 3.26
